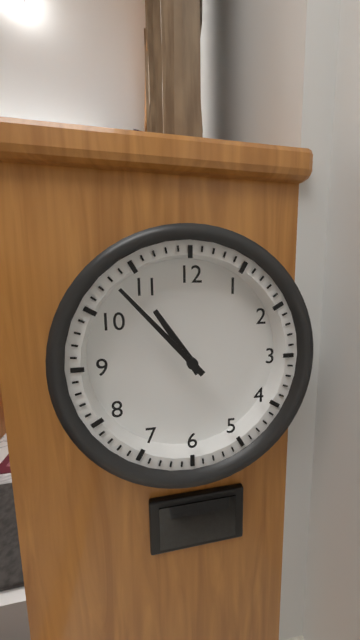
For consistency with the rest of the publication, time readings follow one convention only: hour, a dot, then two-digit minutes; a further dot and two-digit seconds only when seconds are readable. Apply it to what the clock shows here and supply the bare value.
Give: 10.53
